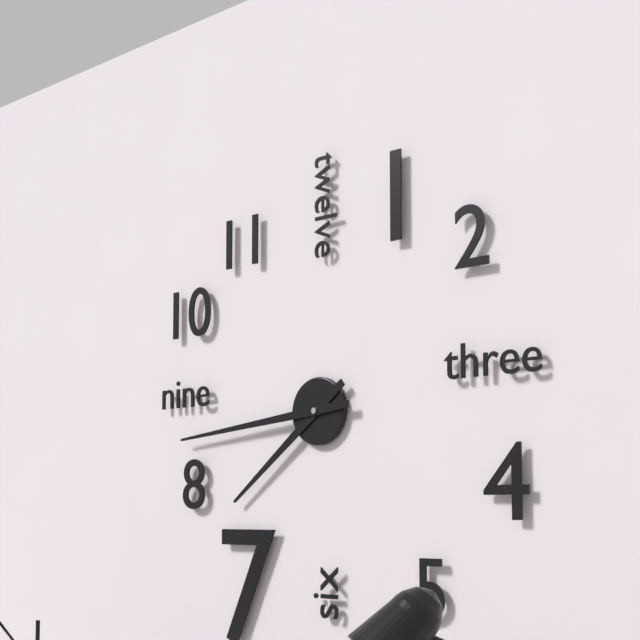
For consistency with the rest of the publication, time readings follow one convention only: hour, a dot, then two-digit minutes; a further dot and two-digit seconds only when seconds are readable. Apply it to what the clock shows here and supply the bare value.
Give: 7.44
